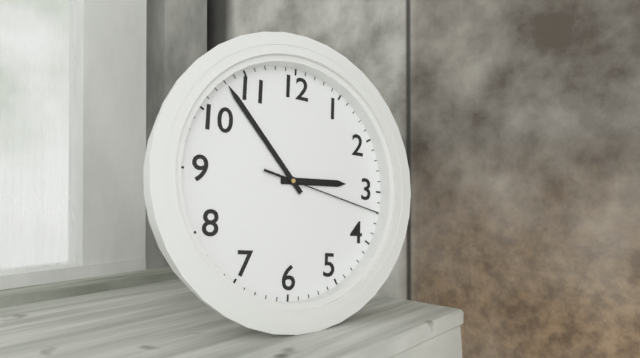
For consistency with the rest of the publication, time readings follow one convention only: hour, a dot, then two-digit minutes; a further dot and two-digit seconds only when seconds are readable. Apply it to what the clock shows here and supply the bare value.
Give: 2.53.17
